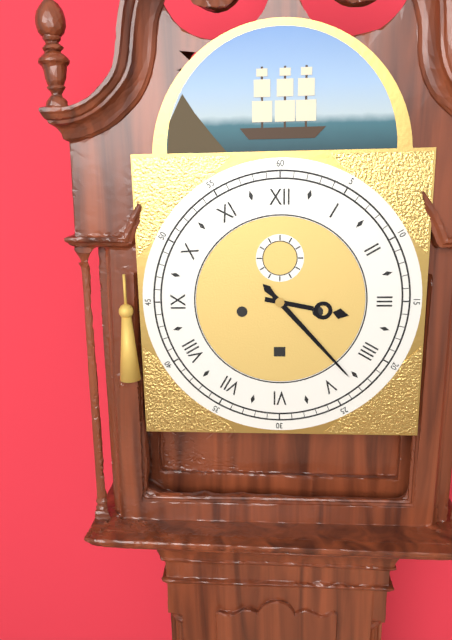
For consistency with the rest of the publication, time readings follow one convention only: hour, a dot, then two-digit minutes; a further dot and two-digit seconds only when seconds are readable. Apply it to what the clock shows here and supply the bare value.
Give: 3.23
